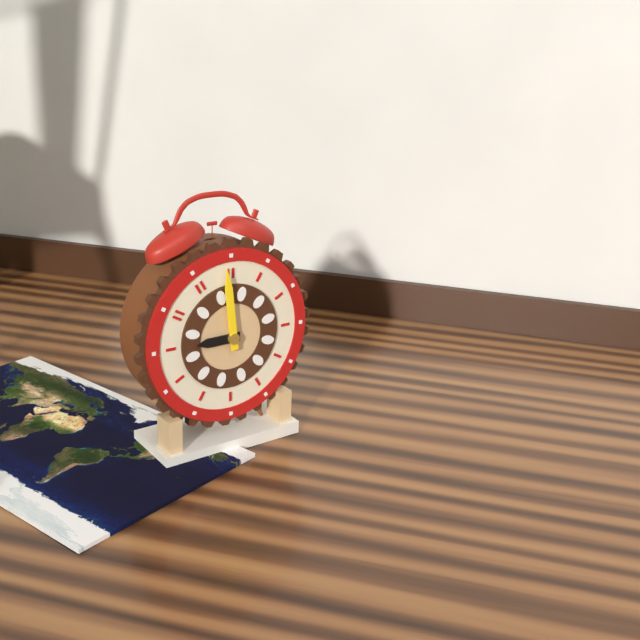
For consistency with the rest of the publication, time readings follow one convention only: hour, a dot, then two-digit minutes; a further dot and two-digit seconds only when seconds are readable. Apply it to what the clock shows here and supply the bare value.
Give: 8.59
